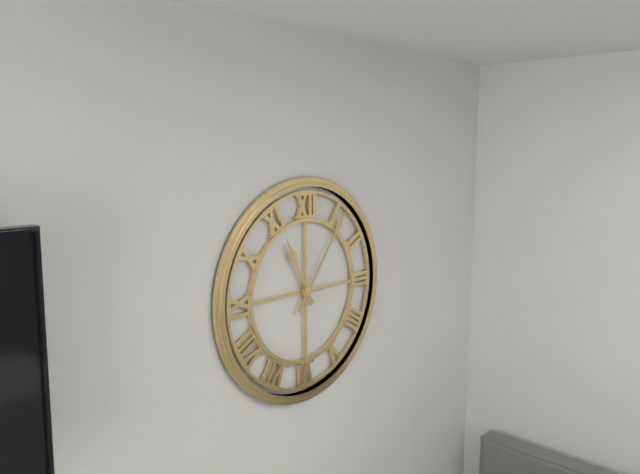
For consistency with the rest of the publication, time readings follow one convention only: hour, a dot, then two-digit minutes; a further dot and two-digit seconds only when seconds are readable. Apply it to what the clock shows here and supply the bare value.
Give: 11.06
